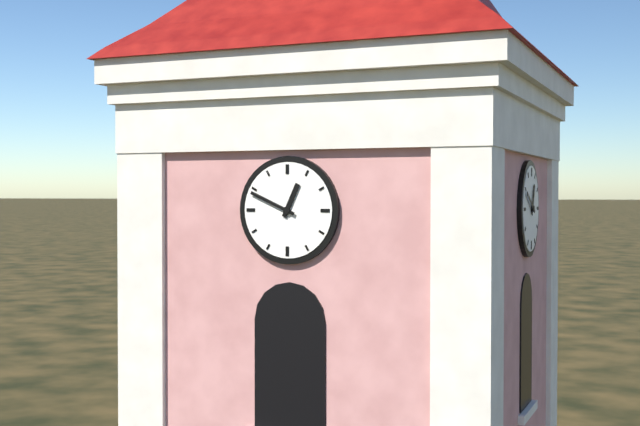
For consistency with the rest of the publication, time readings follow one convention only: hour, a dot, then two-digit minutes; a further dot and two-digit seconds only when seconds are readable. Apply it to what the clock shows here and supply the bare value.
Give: 12.49
